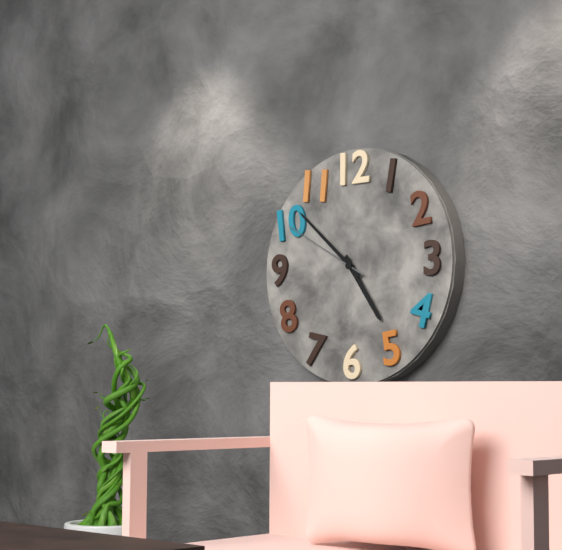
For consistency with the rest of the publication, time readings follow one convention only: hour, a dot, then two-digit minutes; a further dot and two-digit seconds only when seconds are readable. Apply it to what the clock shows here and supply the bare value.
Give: 4.52.50
